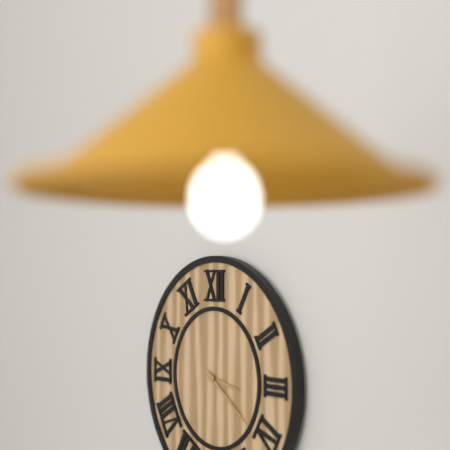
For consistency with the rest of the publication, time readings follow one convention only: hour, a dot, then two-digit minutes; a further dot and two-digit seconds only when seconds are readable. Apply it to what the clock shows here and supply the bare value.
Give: 3.21
